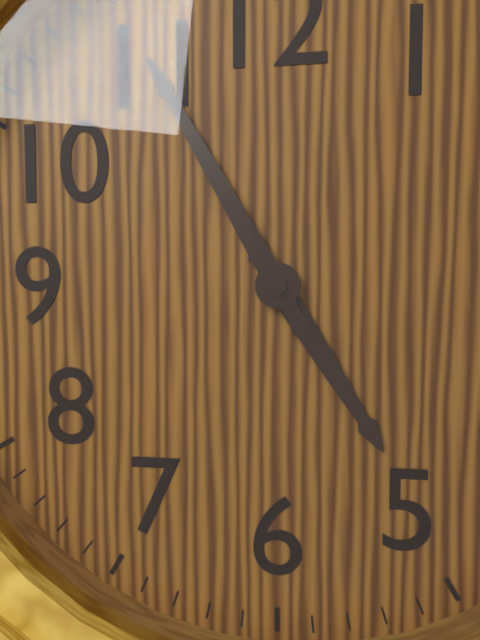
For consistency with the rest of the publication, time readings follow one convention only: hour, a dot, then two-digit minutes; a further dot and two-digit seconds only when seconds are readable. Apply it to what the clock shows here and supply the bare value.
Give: 4.55
